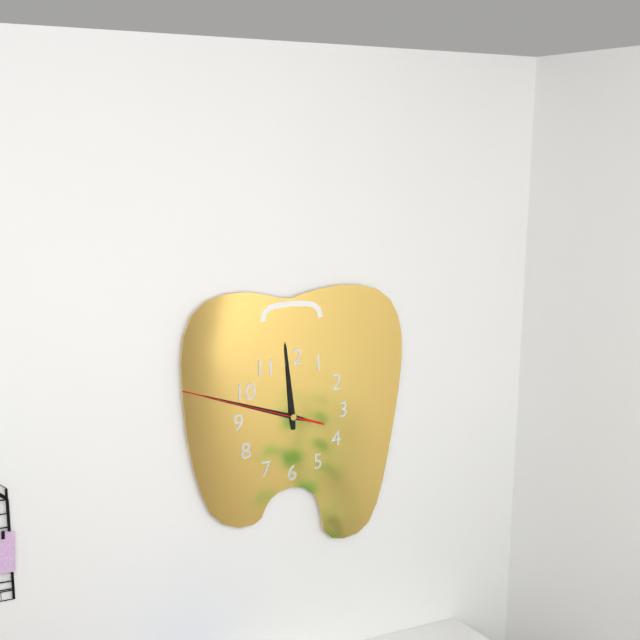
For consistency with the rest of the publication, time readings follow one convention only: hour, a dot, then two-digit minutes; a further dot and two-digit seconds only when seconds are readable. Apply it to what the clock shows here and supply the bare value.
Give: 11.48.48
